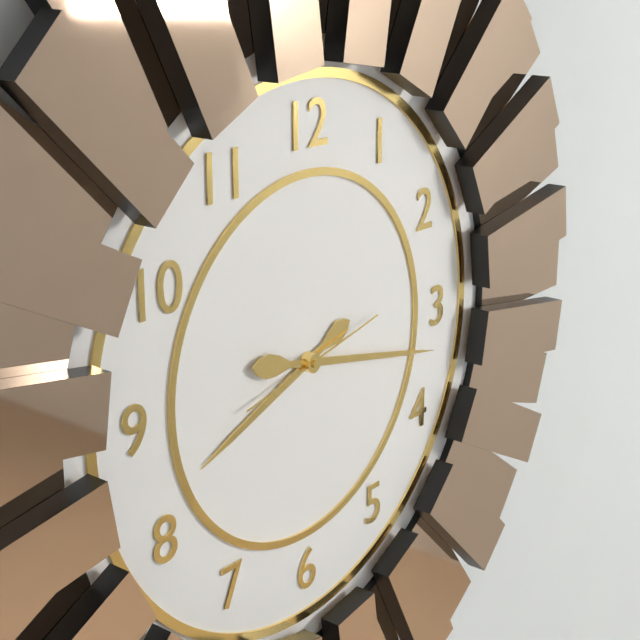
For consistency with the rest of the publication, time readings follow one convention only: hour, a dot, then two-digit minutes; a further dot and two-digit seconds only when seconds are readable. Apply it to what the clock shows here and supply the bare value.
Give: 8.17.13
